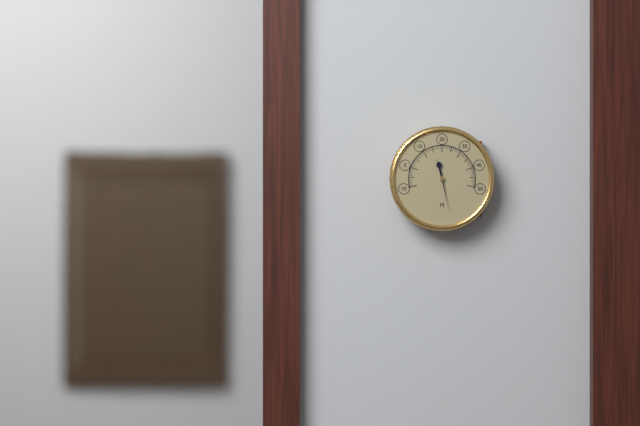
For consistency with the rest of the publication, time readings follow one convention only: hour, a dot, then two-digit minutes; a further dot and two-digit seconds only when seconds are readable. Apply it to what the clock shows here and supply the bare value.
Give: 11.28
